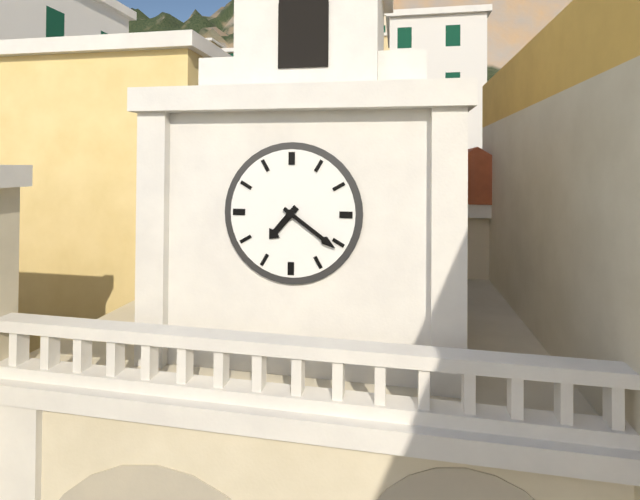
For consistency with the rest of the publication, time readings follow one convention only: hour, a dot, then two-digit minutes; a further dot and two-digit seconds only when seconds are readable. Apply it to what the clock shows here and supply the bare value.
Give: 7.21
